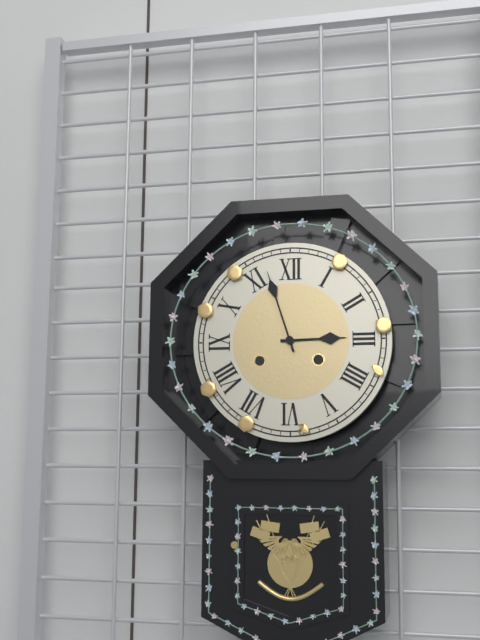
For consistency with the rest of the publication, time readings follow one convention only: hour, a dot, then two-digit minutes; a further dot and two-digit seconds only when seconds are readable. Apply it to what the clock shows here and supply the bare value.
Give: 2.57
